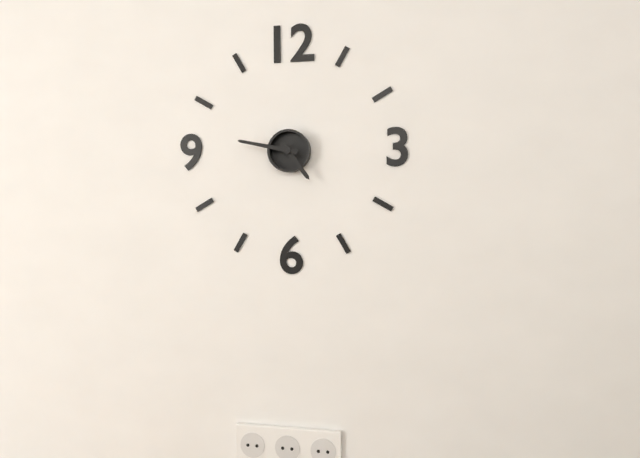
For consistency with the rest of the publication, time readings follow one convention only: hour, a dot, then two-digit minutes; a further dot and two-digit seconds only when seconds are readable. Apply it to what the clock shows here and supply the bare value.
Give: 4.47
